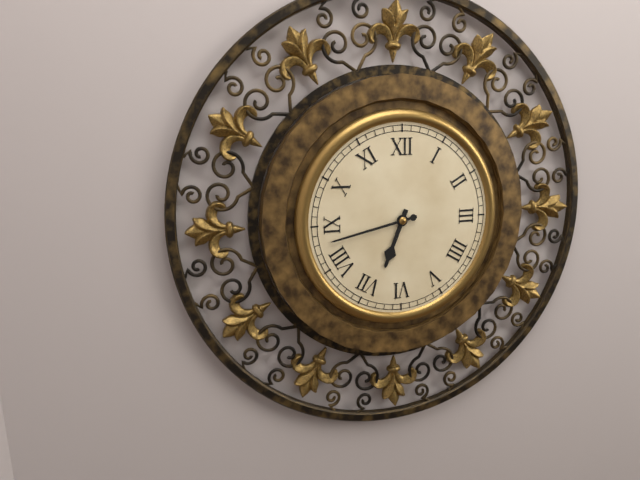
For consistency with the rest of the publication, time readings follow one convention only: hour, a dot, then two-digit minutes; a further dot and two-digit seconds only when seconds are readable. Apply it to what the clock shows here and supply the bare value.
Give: 6.43
